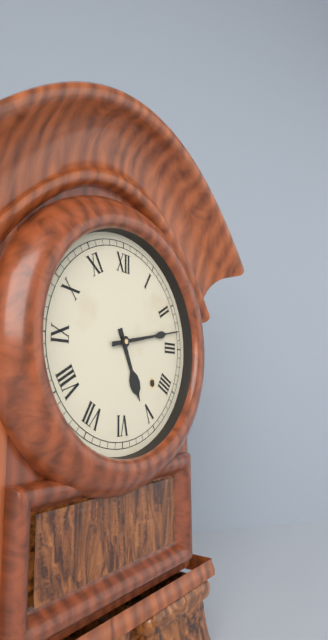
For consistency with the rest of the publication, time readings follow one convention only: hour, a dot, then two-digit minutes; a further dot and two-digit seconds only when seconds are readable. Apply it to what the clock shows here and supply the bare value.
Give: 5.13
